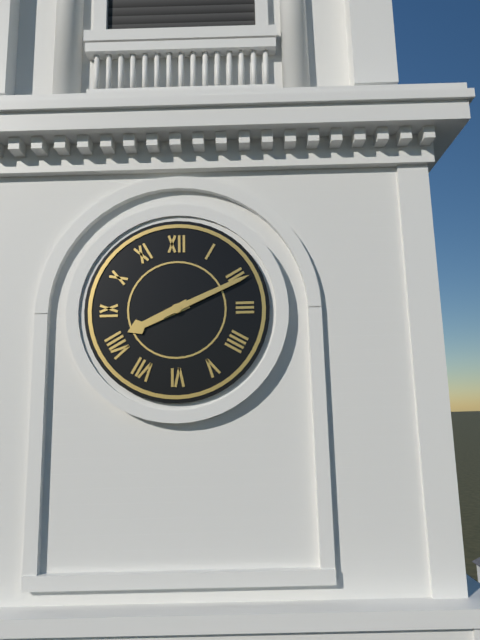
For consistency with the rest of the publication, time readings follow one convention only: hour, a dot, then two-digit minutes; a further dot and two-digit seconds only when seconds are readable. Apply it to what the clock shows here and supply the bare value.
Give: 8.11
